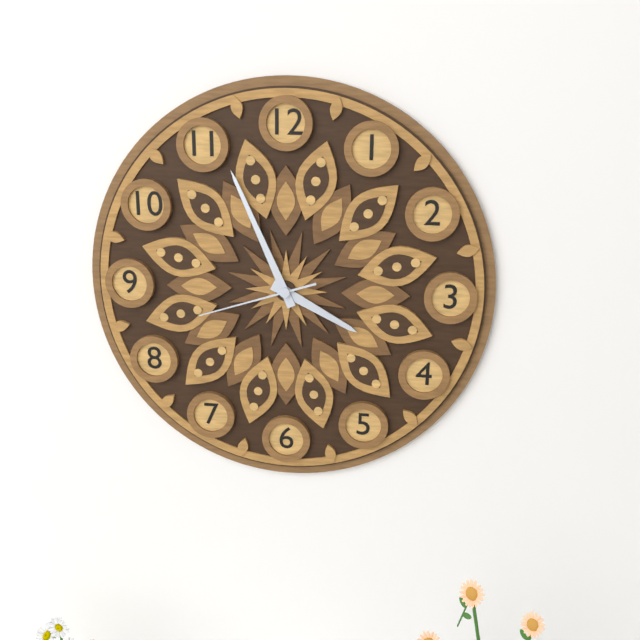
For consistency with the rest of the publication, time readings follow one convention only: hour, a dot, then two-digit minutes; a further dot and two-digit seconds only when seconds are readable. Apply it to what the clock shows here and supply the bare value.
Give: 3.56.42
